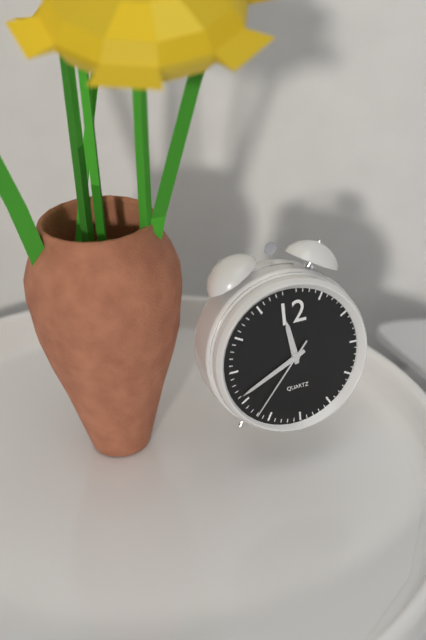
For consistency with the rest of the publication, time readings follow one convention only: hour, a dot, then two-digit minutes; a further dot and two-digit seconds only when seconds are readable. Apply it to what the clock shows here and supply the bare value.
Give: 11.41.37
